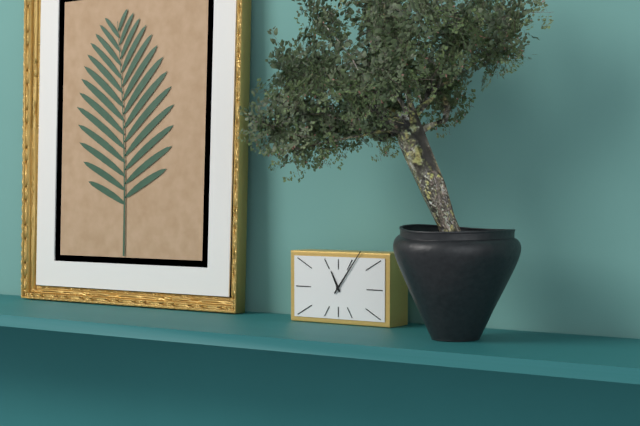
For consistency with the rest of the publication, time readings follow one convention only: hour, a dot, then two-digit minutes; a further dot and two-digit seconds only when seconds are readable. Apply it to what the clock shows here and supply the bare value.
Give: 11.06
